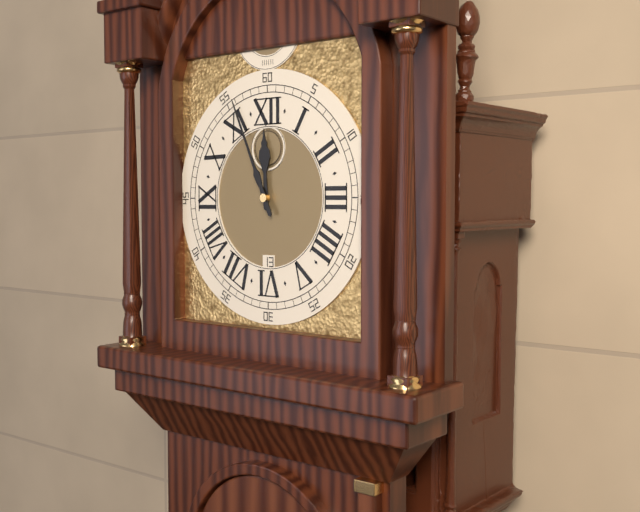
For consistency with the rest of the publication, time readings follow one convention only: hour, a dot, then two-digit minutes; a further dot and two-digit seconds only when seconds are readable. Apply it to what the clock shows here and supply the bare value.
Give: 11.56
